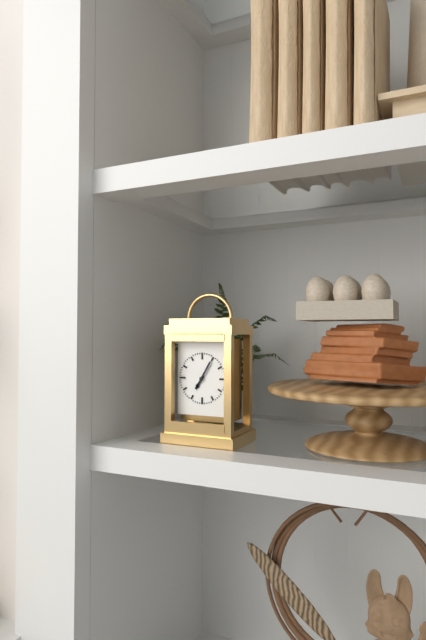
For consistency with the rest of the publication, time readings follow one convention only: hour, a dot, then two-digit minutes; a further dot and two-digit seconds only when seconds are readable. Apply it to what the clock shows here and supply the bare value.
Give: 7.05
